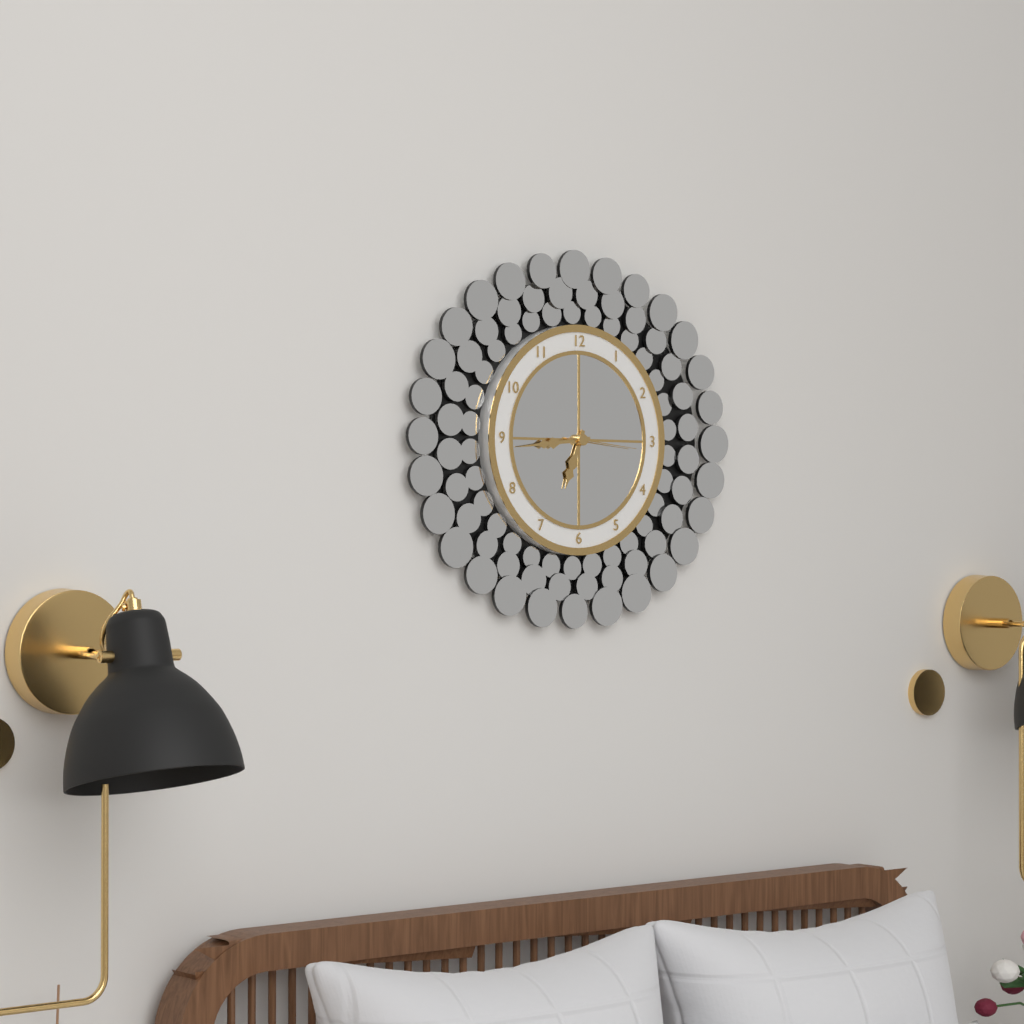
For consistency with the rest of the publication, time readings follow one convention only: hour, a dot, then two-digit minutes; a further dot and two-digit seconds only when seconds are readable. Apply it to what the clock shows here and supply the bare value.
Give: 6.44.16
